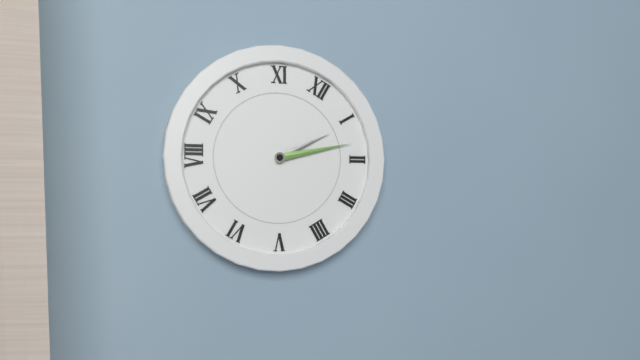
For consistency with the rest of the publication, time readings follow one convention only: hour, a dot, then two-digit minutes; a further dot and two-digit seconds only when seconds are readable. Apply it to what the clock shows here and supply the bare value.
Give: 1.08
